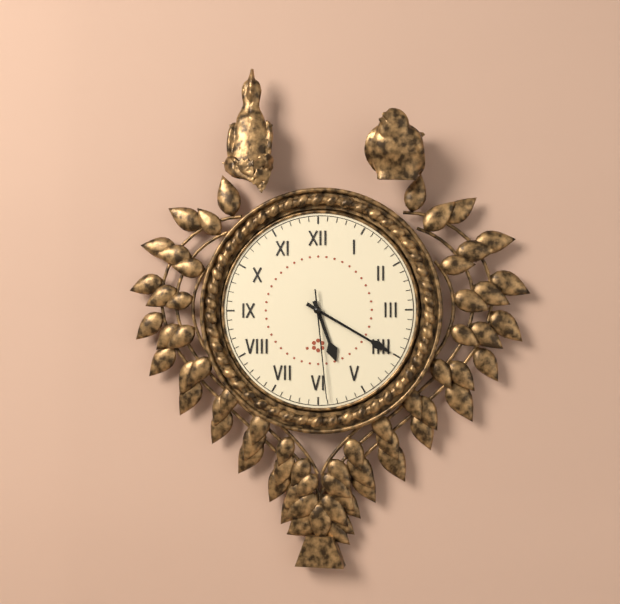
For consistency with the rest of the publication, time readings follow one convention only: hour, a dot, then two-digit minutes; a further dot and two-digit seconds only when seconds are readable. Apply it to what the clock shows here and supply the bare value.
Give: 5.20.29
